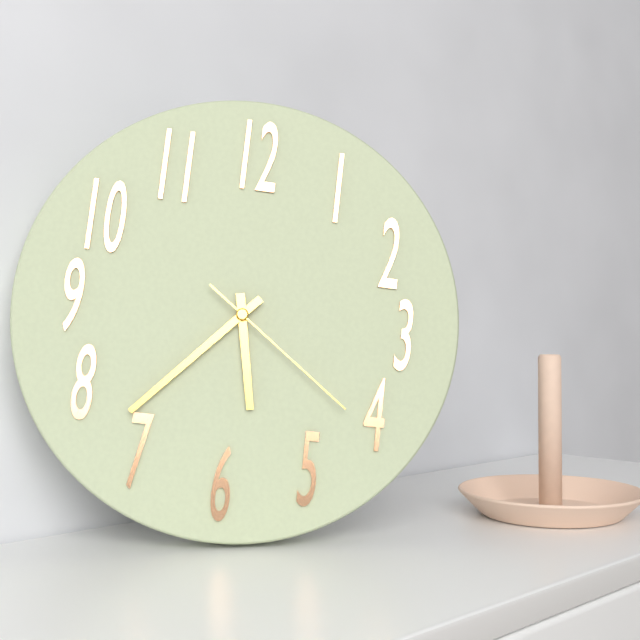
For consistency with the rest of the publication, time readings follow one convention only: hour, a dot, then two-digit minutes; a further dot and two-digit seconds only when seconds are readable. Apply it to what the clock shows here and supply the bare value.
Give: 5.37.21
